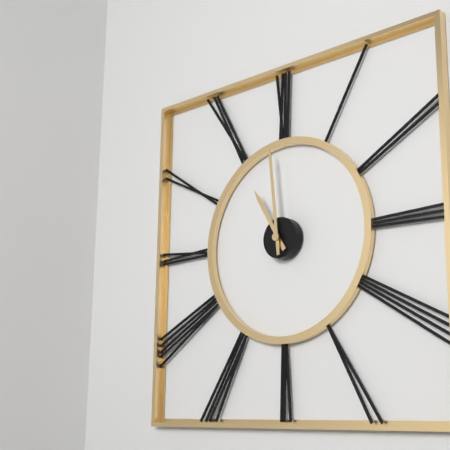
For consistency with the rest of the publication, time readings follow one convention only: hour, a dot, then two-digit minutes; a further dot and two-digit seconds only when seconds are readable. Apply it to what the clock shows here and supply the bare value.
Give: 10.59
